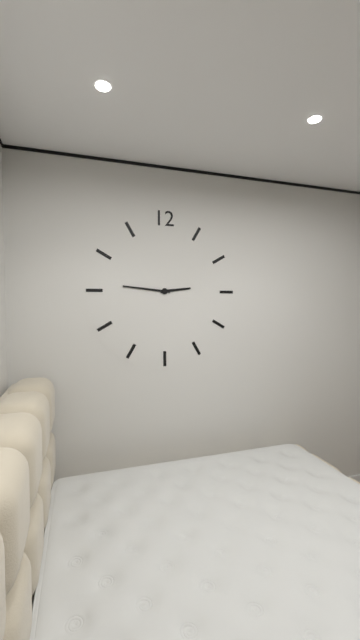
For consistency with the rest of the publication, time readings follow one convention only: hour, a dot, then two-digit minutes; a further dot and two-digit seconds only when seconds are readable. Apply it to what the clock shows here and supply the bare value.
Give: 2.46
